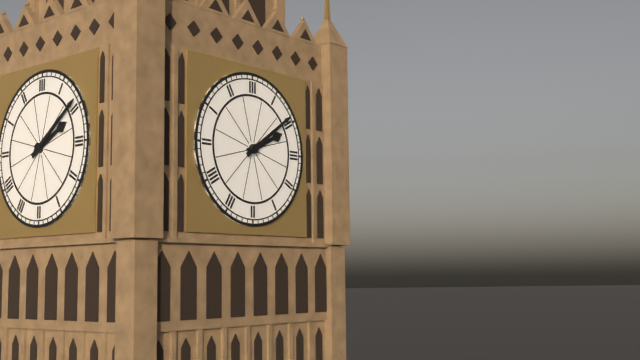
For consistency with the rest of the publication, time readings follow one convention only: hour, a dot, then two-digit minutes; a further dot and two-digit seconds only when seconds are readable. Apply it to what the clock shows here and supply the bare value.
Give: 2.09
